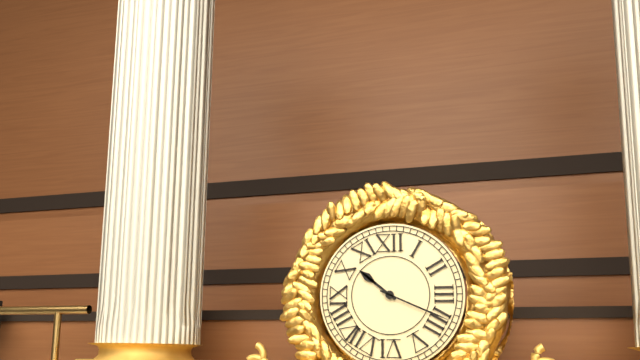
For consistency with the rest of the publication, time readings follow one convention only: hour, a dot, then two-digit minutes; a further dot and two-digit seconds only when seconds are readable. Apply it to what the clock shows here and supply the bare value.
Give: 10.19
